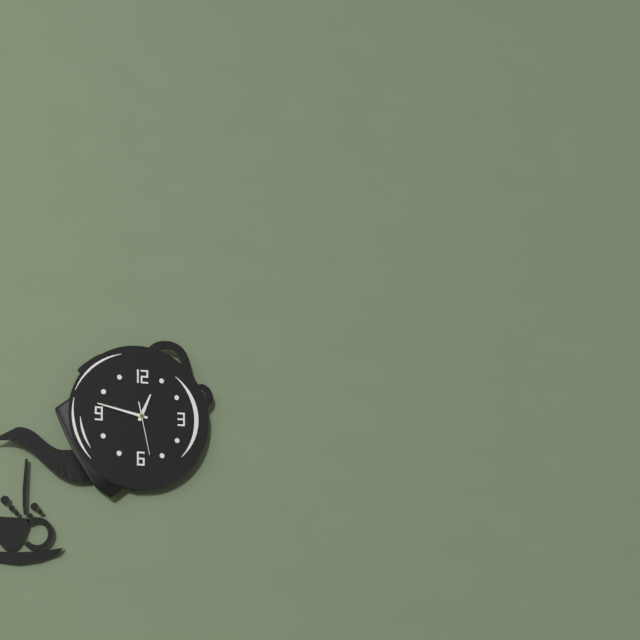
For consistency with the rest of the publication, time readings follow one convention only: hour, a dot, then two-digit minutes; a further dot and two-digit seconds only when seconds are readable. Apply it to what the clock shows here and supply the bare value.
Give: 12.47
